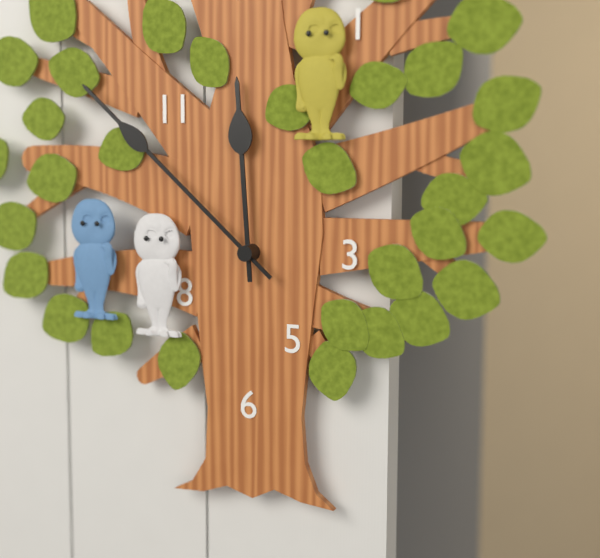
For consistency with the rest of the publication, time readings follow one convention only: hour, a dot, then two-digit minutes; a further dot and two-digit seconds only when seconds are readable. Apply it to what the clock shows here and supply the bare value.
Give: 11.52
